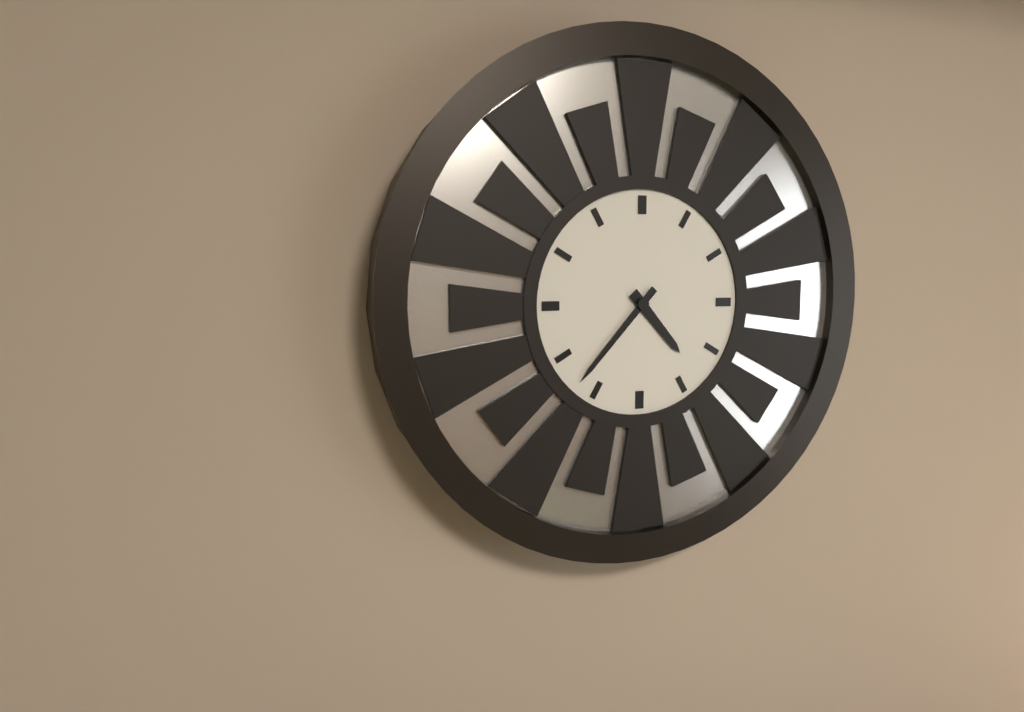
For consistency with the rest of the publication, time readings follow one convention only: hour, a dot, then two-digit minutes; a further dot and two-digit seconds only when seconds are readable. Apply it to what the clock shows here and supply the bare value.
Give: 4.37
